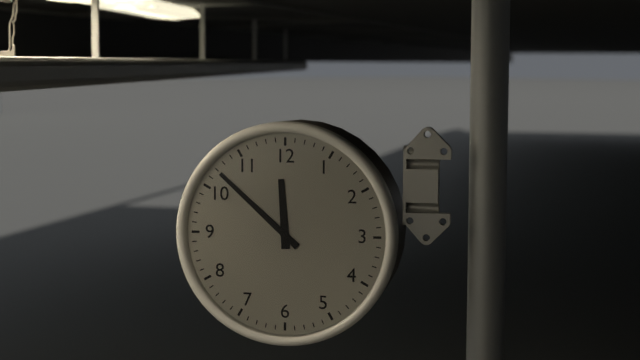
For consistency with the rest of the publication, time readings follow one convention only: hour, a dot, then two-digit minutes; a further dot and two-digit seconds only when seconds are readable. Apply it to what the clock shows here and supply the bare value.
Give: 11.52
